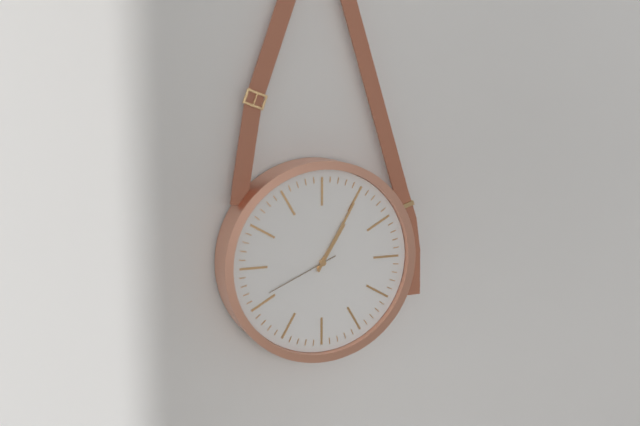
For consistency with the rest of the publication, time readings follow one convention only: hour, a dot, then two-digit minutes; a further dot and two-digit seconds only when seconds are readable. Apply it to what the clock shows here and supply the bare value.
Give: 1.05.41
